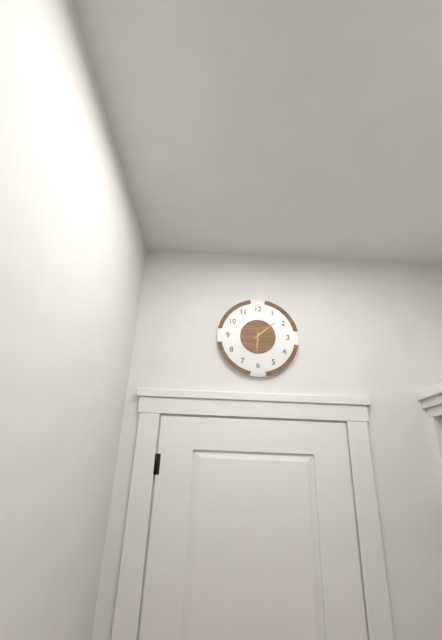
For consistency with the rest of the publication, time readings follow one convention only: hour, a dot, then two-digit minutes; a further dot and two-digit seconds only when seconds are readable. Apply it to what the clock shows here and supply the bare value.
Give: 6.08
